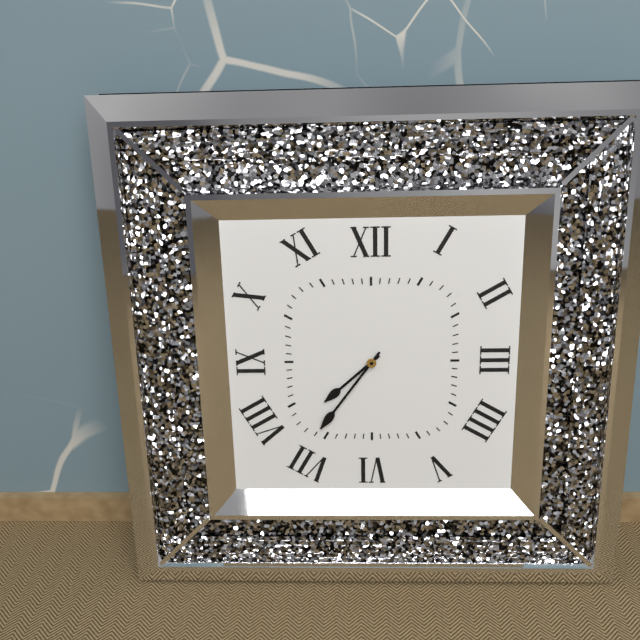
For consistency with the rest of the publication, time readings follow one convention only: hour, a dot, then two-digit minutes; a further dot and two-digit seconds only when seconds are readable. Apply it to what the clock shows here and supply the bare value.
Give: 7.36
